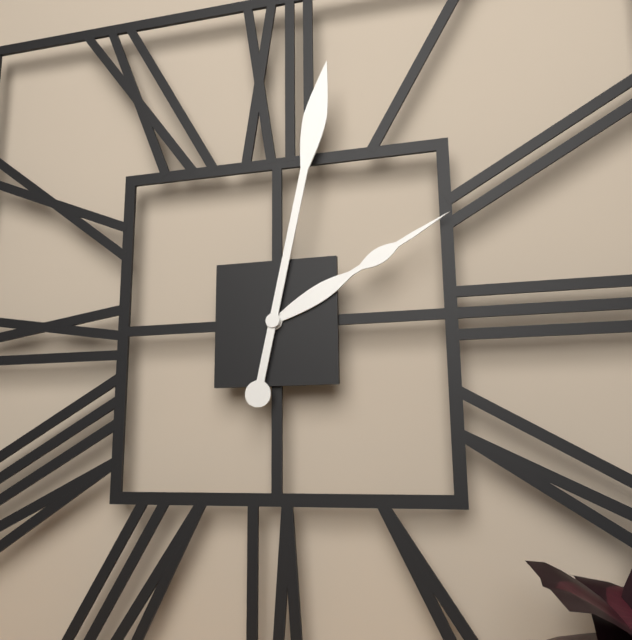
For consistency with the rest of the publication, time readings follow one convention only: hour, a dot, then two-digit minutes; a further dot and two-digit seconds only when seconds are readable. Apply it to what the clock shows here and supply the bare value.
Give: 2.02
